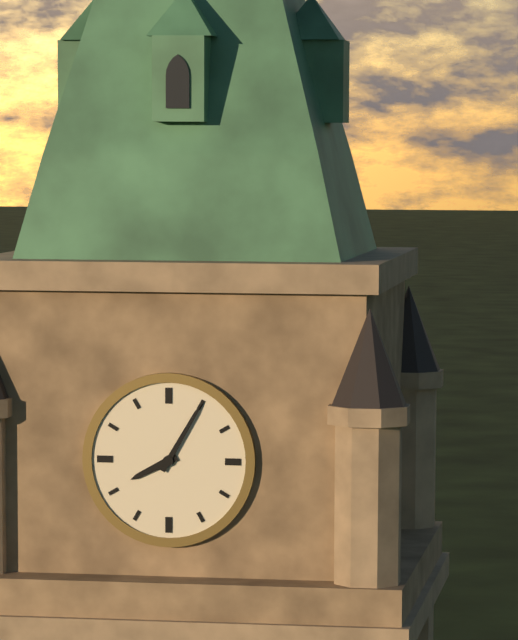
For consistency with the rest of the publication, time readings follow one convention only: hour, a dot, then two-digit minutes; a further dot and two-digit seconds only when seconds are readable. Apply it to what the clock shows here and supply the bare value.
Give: 8.05
